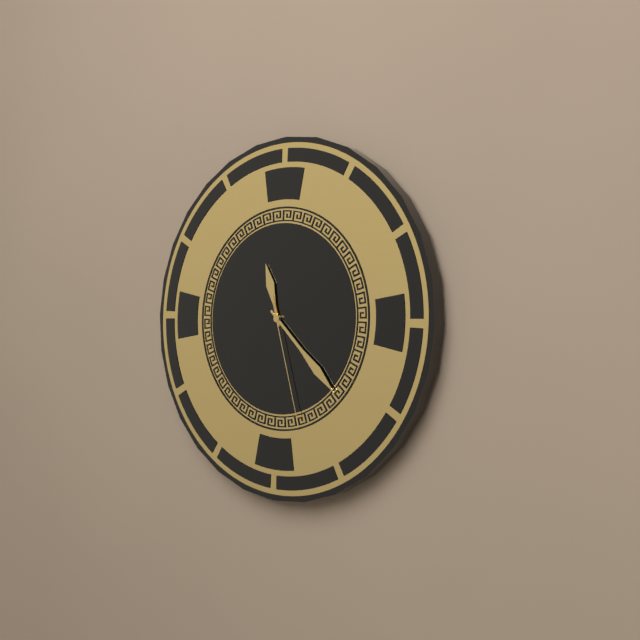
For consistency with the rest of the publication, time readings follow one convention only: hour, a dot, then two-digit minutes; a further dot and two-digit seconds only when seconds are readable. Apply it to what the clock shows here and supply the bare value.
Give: 11.22.27
